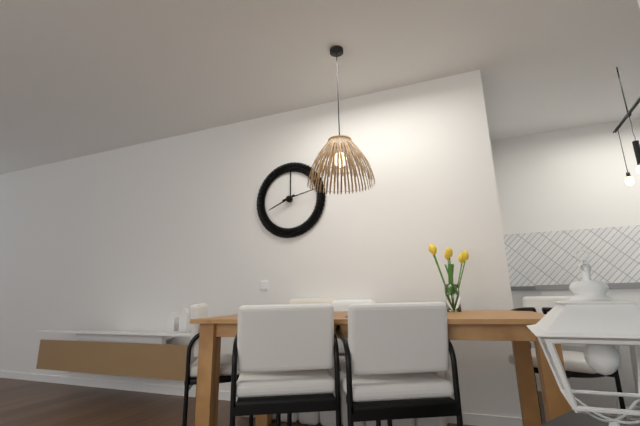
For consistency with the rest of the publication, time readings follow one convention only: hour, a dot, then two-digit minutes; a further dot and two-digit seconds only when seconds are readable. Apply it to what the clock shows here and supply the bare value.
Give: 8.13
